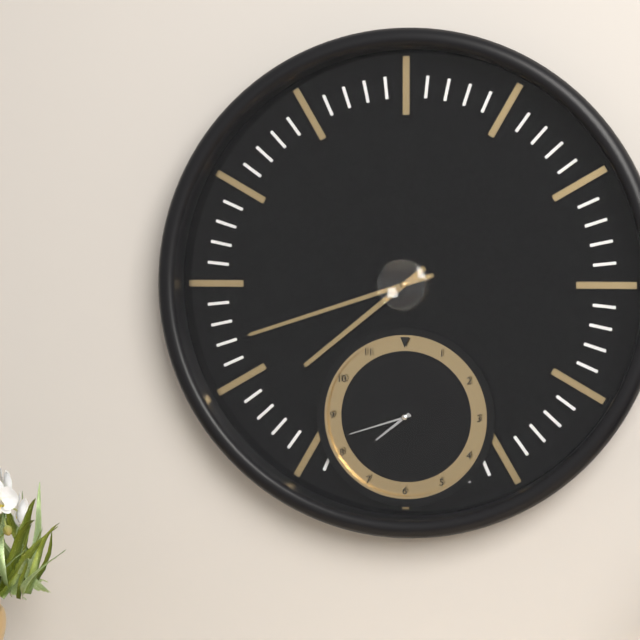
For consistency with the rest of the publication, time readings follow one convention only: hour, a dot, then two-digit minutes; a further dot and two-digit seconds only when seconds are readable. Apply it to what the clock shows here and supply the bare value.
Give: 7.42
